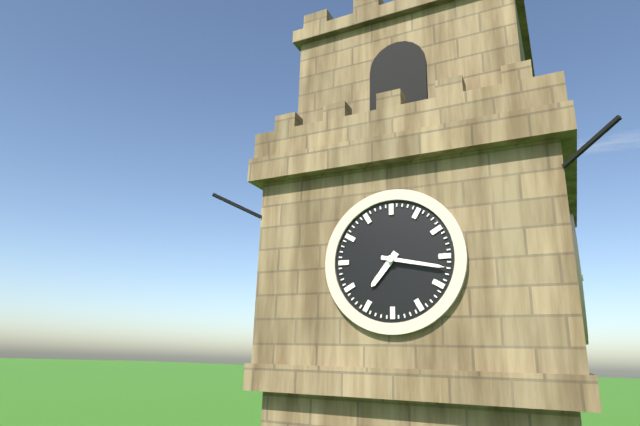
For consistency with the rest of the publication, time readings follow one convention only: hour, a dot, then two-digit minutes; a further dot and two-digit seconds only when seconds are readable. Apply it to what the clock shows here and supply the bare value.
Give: 7.17
